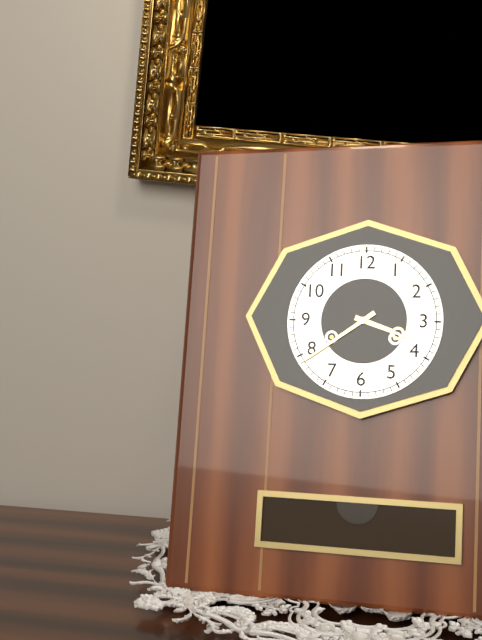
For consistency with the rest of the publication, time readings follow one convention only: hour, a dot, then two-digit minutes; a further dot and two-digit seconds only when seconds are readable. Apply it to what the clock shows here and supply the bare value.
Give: 3.39
